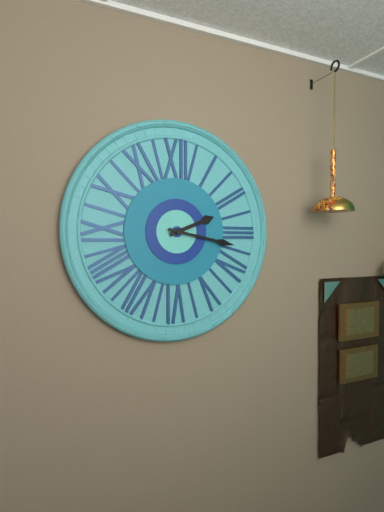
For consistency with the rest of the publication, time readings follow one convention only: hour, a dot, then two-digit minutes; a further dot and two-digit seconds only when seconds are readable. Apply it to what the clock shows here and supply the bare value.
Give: 2.17
